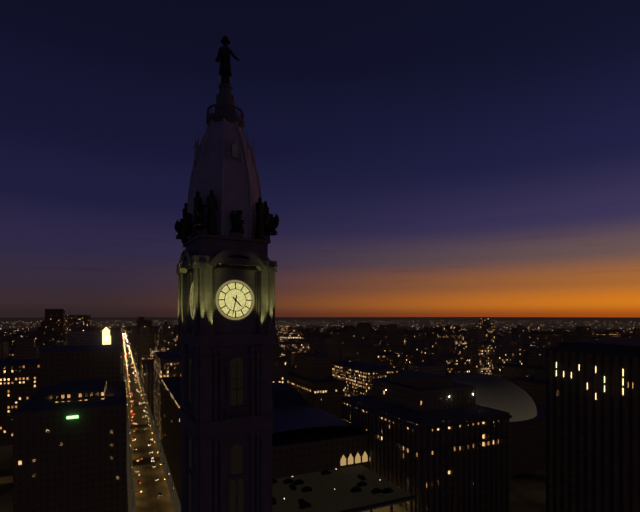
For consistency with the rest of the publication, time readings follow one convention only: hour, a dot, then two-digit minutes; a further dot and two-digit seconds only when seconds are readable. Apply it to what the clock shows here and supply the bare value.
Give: 4.32
